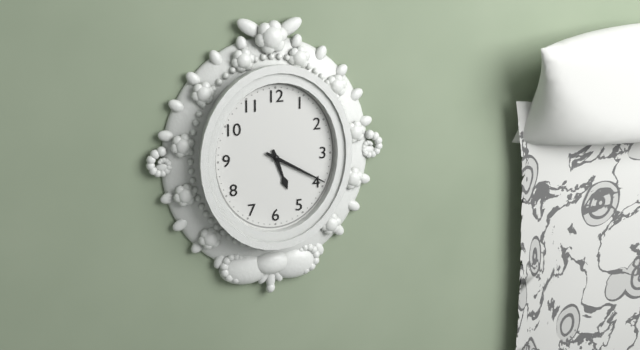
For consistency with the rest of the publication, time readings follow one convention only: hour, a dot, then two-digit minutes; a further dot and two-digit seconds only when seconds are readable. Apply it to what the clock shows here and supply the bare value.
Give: 5.20
